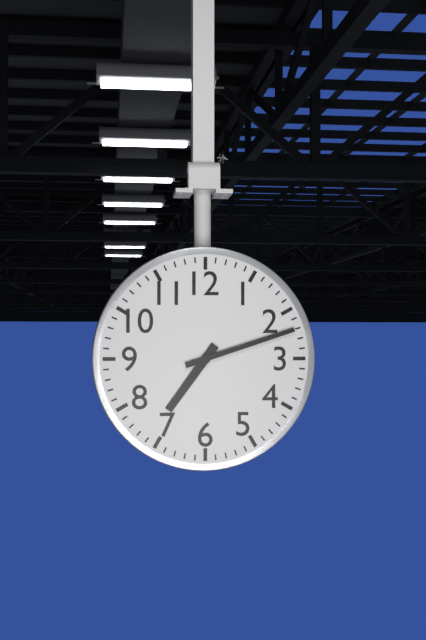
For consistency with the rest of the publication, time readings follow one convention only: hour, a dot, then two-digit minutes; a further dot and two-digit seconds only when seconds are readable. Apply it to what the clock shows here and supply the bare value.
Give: 7.12
